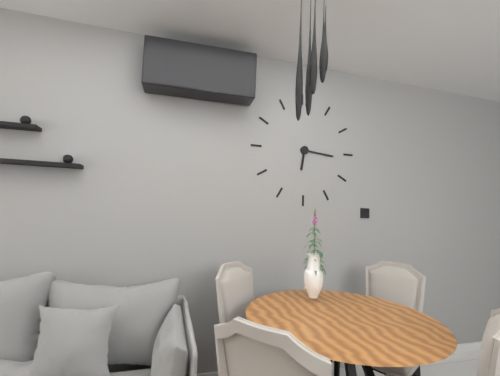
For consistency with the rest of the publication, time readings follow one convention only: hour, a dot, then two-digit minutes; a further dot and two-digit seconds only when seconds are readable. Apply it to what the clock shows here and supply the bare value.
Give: 6.16
